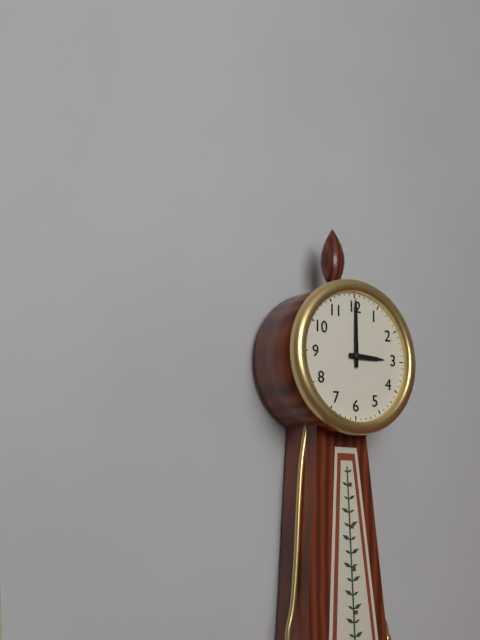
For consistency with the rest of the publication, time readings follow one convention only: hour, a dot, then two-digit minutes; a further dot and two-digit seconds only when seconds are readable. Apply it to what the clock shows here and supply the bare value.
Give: 3.00
